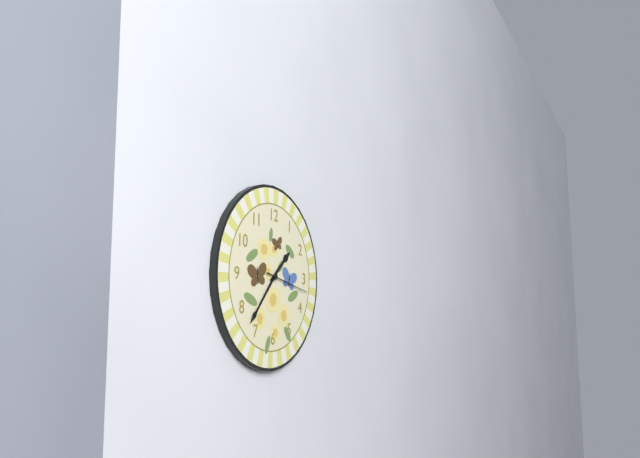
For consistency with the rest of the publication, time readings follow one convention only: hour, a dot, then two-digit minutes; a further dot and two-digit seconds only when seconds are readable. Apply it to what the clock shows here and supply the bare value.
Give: 1.37
